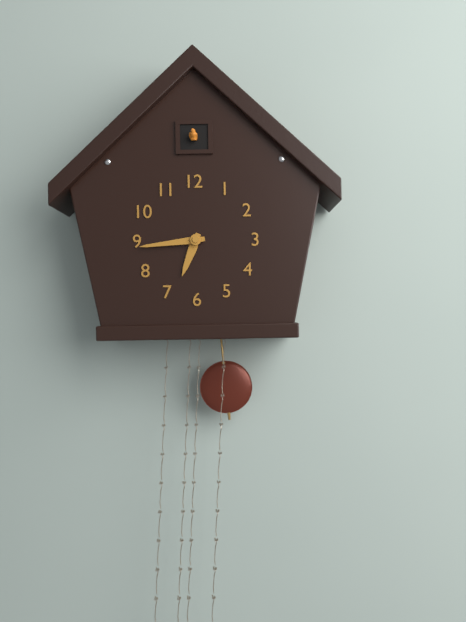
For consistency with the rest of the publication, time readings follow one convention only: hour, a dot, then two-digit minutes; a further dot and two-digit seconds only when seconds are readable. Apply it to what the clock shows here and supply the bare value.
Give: 6.44
